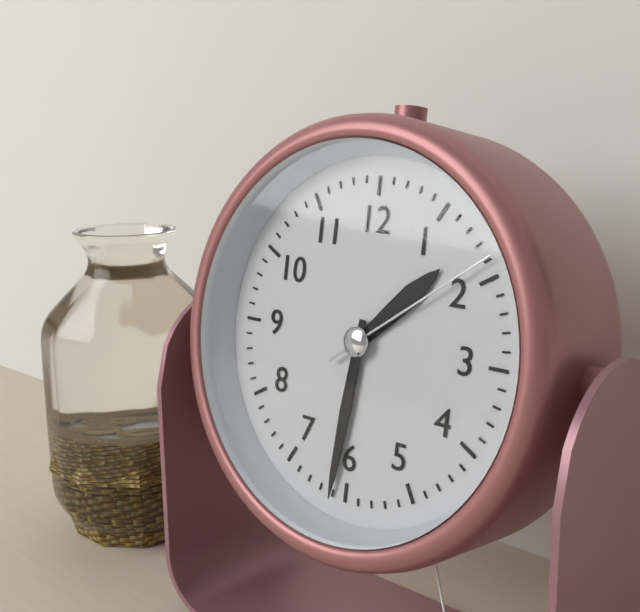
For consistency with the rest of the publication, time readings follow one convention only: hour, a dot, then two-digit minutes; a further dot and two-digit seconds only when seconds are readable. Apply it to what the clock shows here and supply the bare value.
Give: 1.31.09
